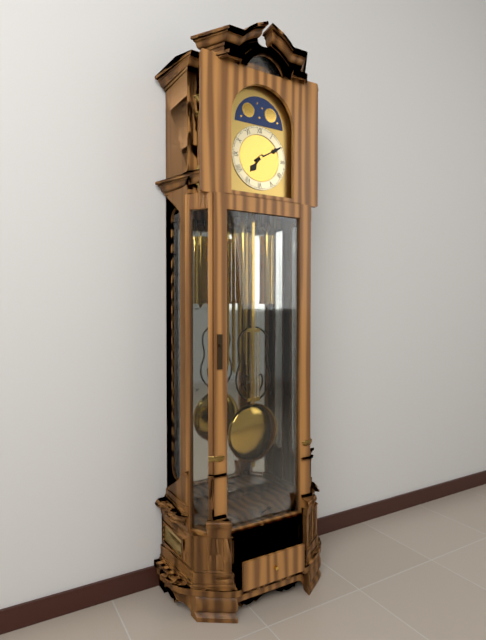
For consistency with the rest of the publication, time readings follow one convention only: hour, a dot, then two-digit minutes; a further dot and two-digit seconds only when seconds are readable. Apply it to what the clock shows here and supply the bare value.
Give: 7.10
